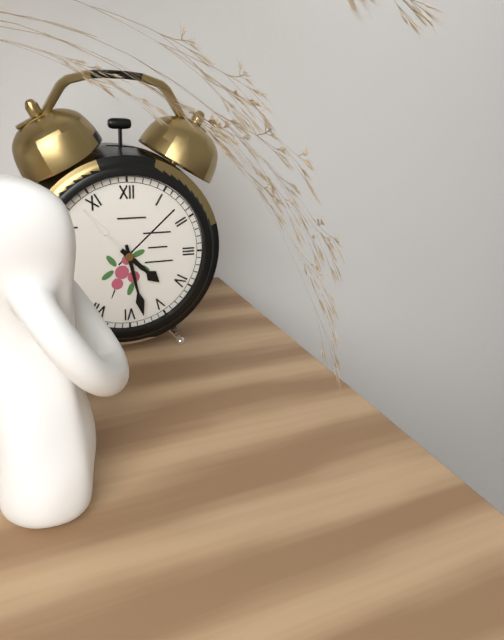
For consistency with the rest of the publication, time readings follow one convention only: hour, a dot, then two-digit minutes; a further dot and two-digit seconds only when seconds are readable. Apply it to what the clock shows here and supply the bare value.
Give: 4.28
